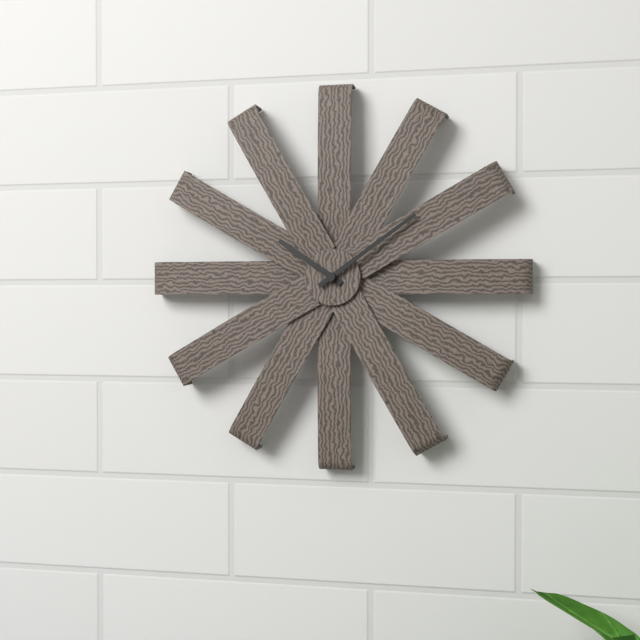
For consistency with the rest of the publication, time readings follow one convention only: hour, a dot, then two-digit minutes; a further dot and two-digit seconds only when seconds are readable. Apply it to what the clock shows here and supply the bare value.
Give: 10.09
